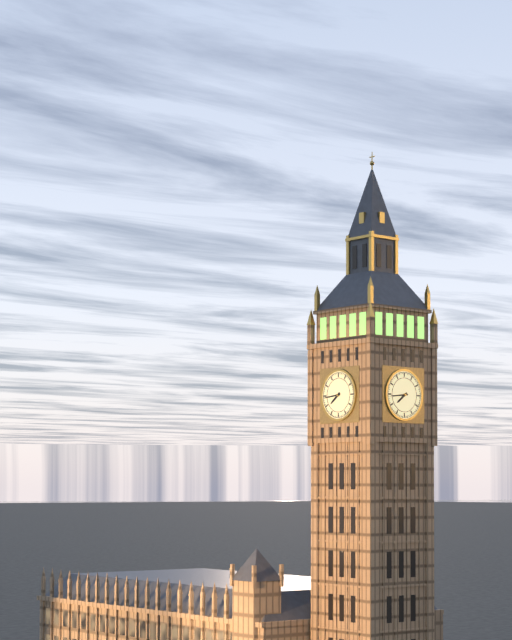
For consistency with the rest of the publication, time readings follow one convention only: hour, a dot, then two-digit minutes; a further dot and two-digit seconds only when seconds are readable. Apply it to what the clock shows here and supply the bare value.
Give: 7.44
